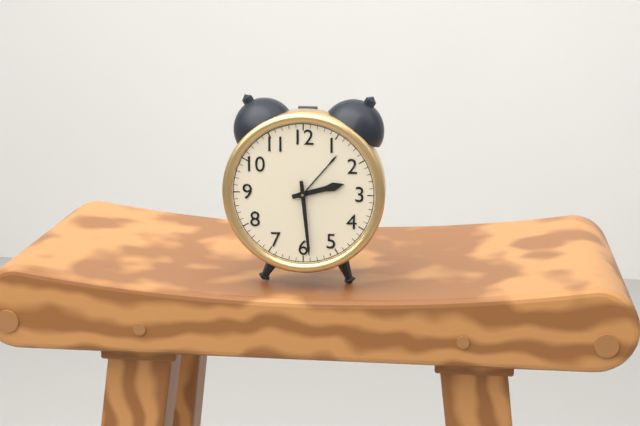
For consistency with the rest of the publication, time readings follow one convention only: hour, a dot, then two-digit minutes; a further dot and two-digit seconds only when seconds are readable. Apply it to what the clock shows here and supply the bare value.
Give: 2.29
